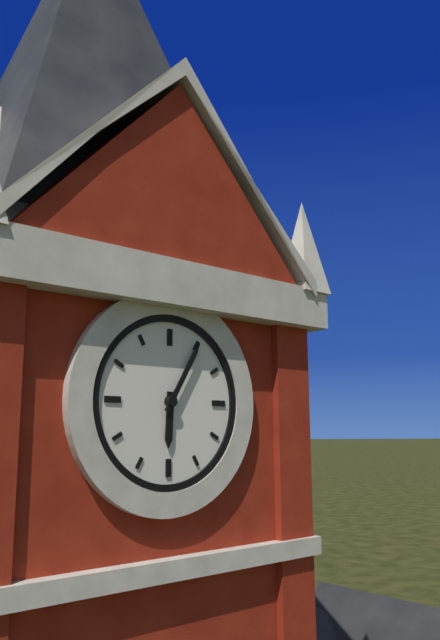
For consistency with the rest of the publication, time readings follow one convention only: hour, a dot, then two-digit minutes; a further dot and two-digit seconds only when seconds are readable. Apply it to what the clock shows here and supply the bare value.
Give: 6.05
